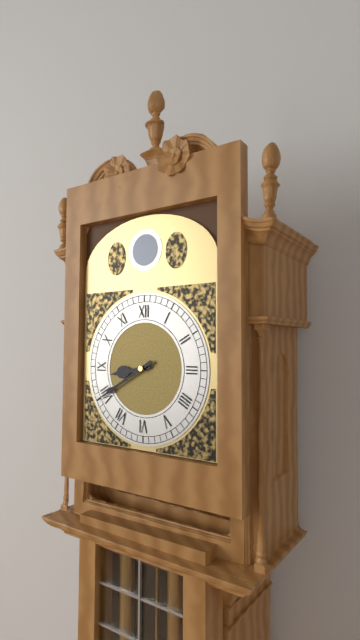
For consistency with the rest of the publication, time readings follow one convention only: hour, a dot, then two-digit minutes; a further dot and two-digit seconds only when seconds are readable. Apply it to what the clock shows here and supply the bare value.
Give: 8.40
